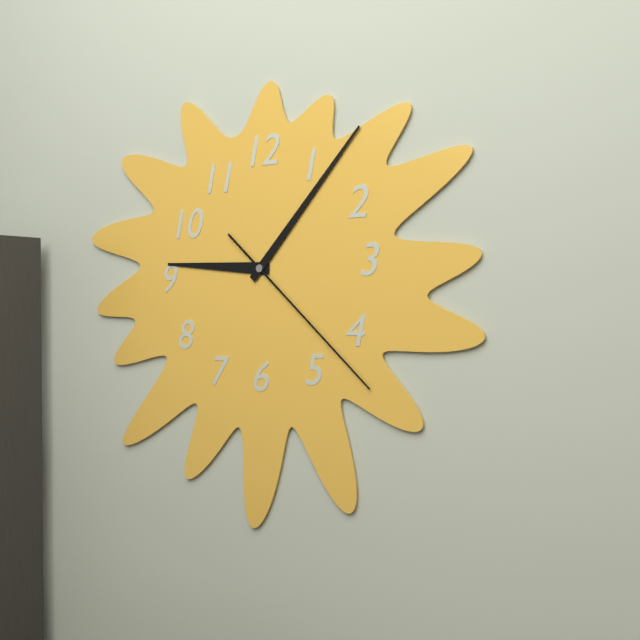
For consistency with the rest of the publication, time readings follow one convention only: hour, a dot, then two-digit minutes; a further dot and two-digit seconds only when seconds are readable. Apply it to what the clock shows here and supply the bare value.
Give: 9.07.22
